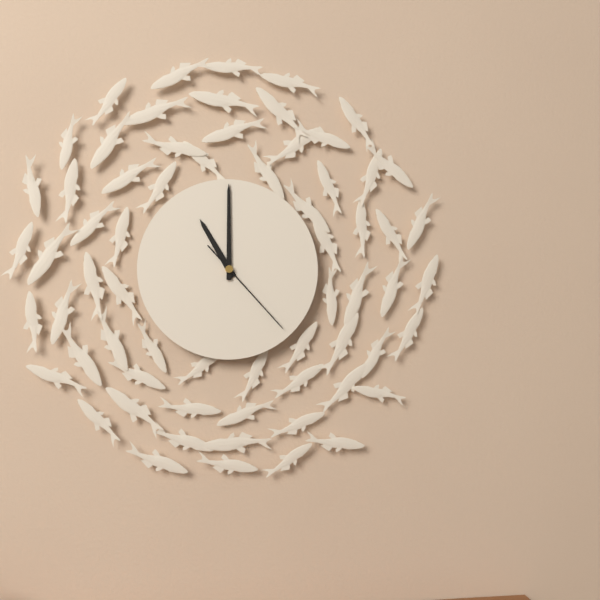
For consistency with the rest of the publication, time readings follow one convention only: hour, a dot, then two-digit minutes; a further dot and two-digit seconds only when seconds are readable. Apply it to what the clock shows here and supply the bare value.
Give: 11.00.23
